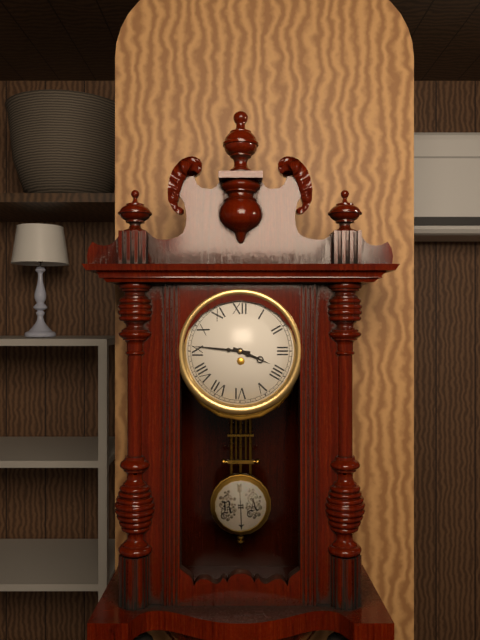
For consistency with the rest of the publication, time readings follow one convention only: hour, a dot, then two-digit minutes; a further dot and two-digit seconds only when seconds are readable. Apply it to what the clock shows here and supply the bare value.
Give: 3.46
